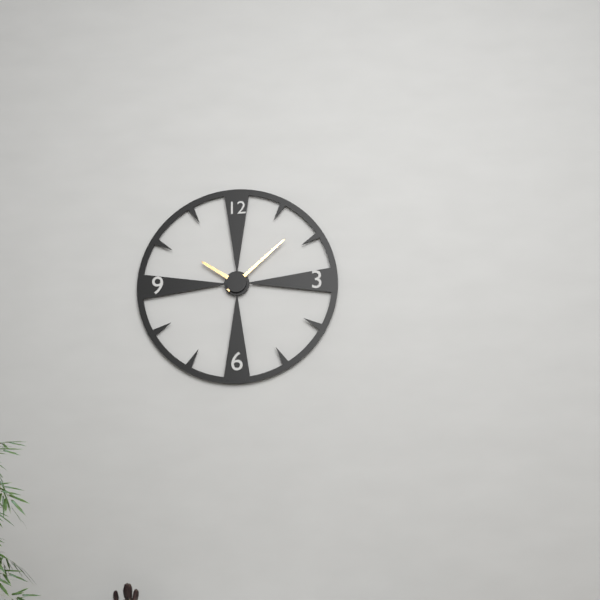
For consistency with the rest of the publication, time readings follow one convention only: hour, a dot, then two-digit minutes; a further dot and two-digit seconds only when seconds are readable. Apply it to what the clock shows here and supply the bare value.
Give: 10.08
